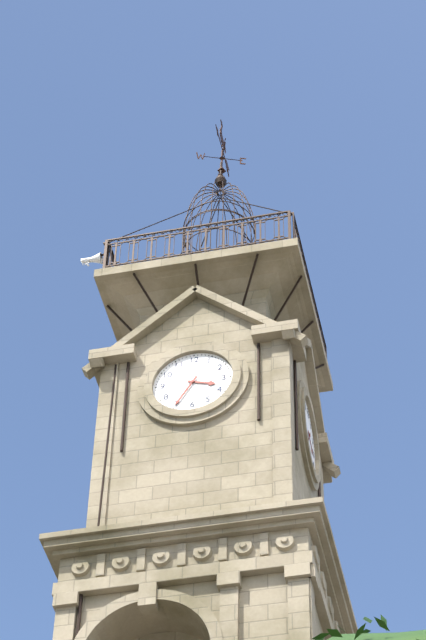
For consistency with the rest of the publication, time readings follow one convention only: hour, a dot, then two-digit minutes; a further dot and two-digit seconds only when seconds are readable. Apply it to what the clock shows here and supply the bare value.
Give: 3.35
